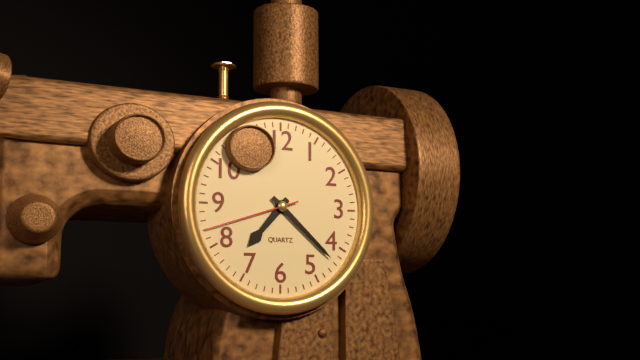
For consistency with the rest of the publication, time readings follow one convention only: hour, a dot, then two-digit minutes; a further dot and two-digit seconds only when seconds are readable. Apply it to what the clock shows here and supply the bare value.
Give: 7.22.42
